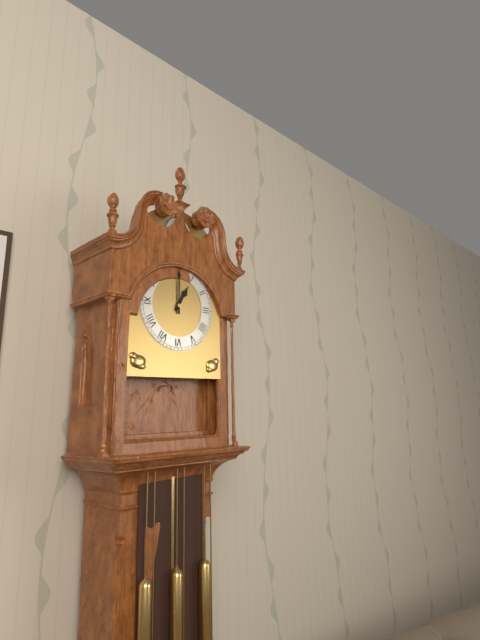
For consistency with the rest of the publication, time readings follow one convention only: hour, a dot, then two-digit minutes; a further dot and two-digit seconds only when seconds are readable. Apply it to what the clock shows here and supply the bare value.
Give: 1.00
